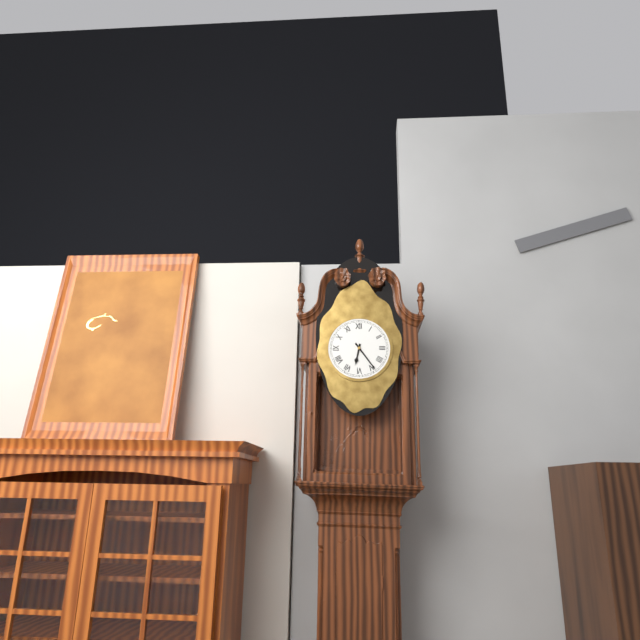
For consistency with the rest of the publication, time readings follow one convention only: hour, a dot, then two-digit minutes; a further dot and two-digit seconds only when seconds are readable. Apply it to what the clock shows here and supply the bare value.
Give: 6.24
